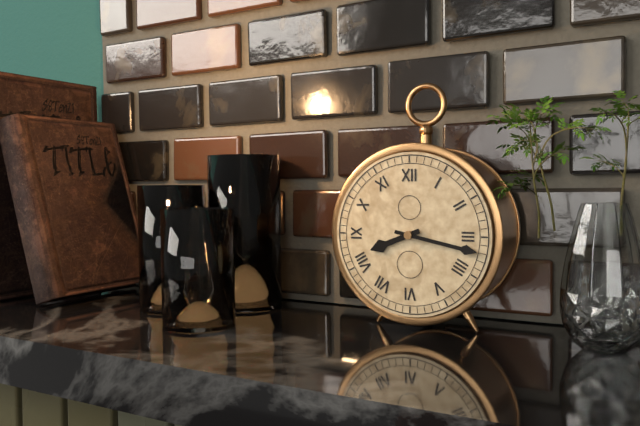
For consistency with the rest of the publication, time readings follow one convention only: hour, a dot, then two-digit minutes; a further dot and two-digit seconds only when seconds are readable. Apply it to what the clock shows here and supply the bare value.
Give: 8.17
